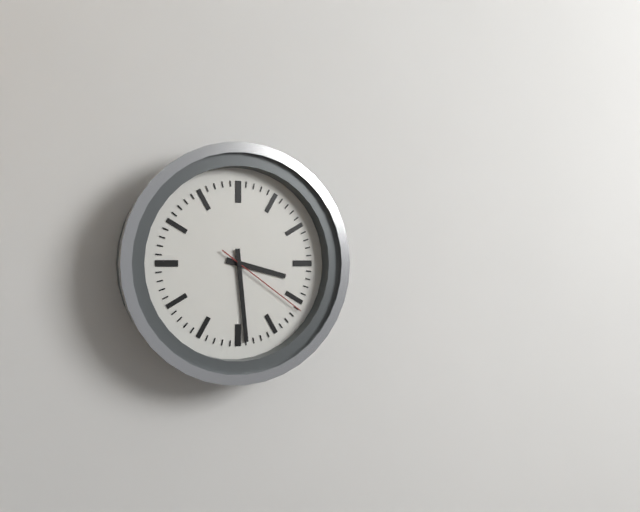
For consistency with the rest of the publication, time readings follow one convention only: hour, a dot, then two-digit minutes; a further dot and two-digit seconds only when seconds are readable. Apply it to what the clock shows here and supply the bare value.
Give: 3.29.21
